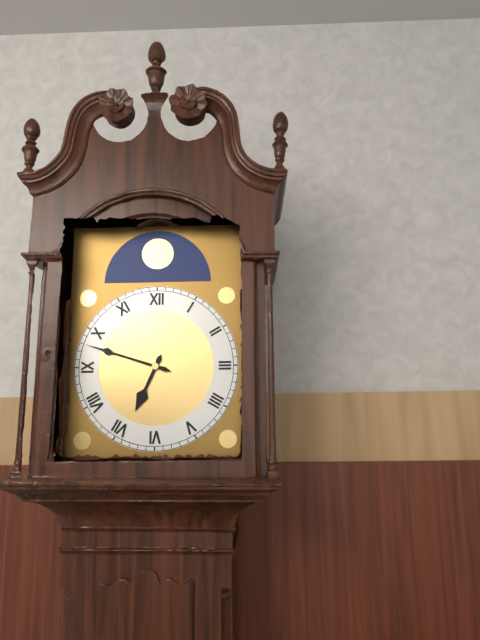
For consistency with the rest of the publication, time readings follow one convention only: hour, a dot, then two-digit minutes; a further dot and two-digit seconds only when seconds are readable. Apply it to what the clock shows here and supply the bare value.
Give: 6.48
